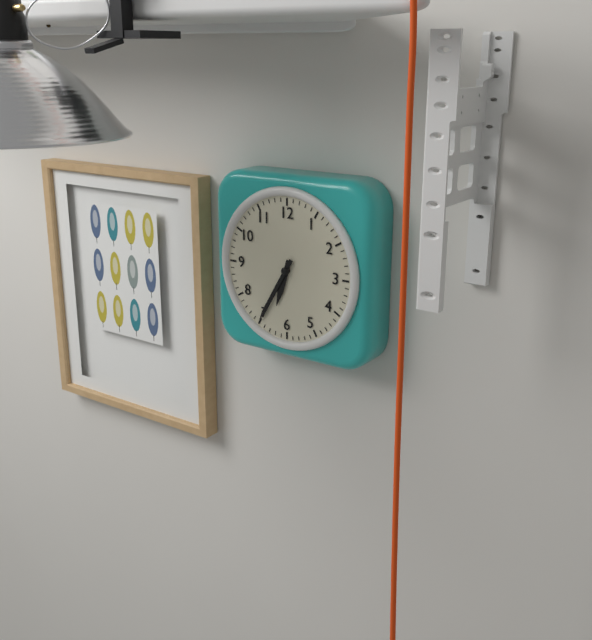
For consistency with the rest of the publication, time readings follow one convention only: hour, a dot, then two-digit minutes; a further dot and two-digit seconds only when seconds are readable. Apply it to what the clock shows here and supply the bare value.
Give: 6.35
